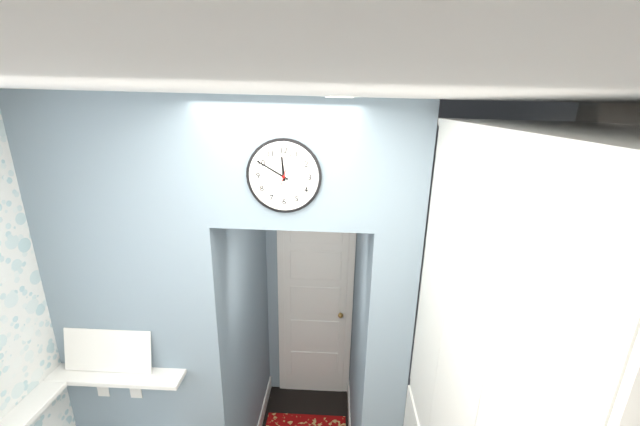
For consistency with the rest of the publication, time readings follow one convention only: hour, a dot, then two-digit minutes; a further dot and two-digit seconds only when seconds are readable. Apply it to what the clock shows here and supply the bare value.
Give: 11.50
